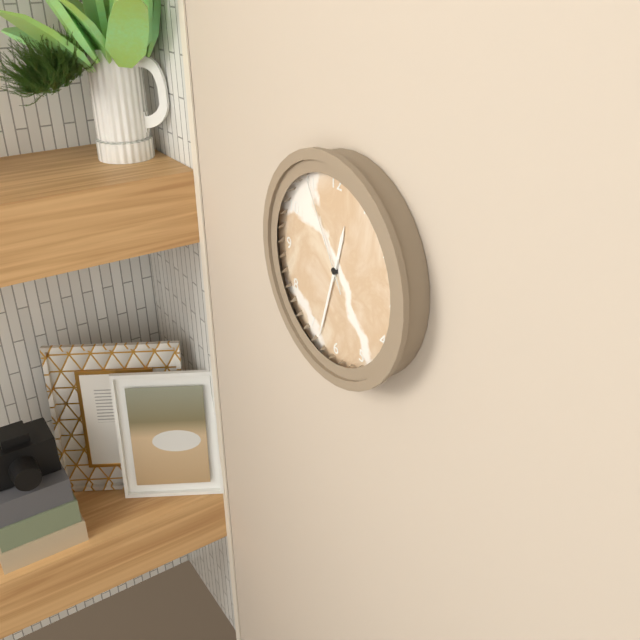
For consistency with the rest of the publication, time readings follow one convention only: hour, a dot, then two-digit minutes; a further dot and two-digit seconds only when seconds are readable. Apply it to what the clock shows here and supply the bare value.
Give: 12.33.55
